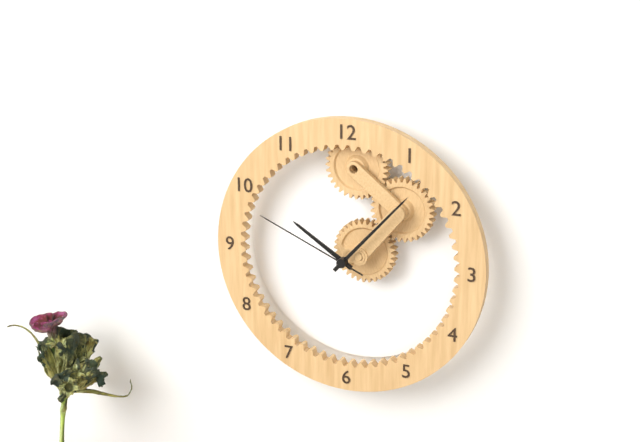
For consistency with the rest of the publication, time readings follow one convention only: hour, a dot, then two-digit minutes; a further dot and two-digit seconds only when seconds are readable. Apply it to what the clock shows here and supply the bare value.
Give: 10.07.49
